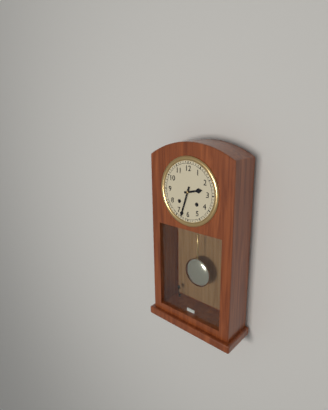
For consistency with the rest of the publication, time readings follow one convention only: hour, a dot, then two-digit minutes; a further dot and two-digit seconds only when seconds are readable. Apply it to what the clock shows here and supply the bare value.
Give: 2.33
